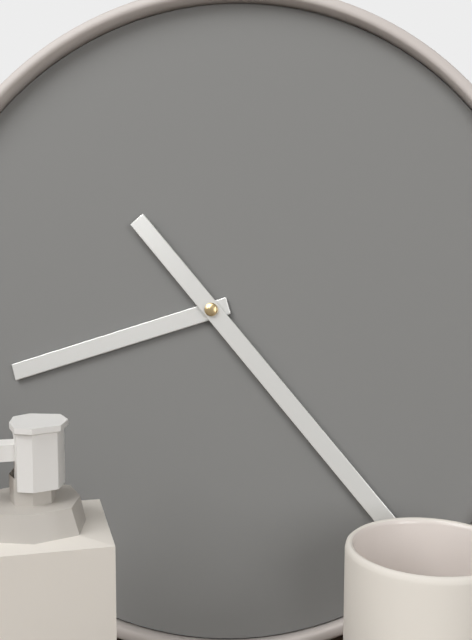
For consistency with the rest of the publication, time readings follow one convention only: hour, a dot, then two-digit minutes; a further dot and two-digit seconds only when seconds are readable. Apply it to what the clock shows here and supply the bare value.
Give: 8.23
